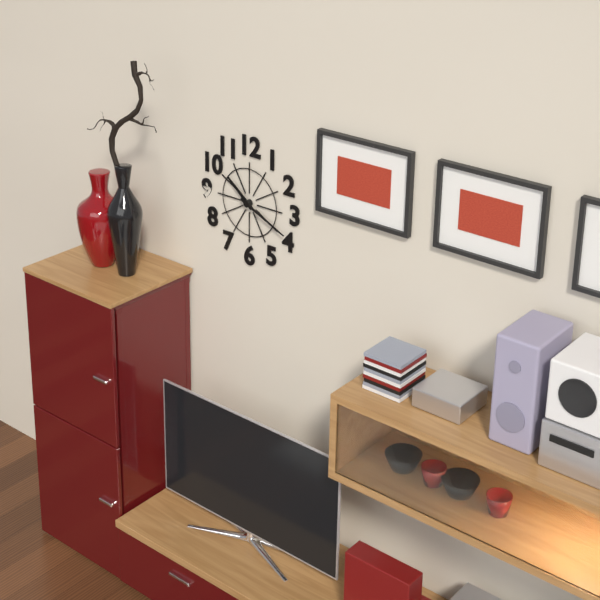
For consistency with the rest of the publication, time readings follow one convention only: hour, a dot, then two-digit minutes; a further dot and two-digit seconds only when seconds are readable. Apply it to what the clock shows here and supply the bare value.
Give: 10.19
